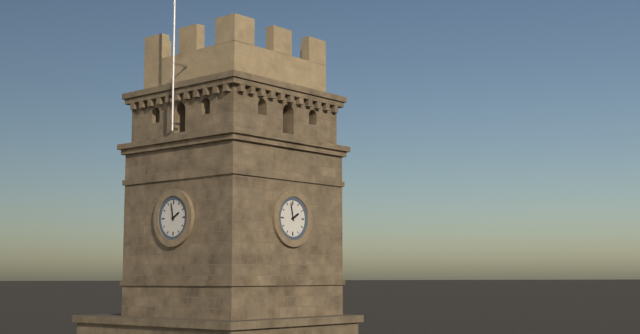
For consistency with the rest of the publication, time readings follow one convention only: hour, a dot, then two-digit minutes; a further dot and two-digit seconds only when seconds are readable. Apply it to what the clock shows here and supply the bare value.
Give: 1.58
